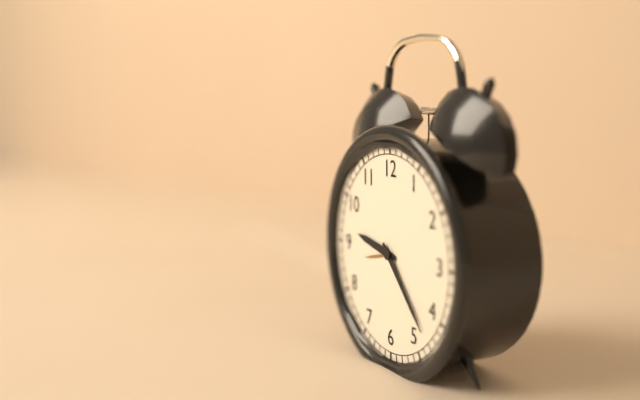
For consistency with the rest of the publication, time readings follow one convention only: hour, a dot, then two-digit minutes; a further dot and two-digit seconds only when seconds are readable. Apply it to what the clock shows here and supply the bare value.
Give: 9.23
